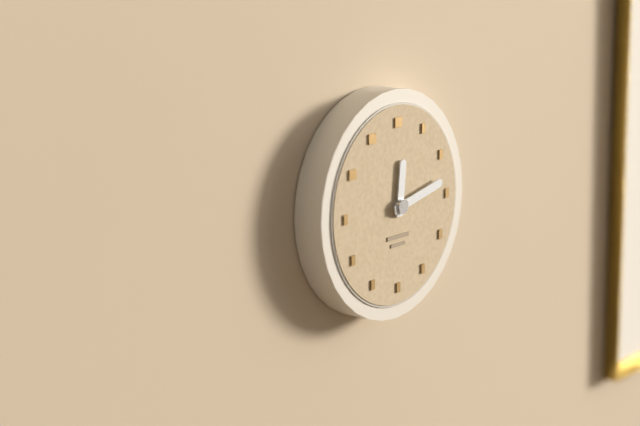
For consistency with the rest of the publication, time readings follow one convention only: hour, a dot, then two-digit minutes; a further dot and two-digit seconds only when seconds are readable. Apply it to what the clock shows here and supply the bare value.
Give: 12.13
